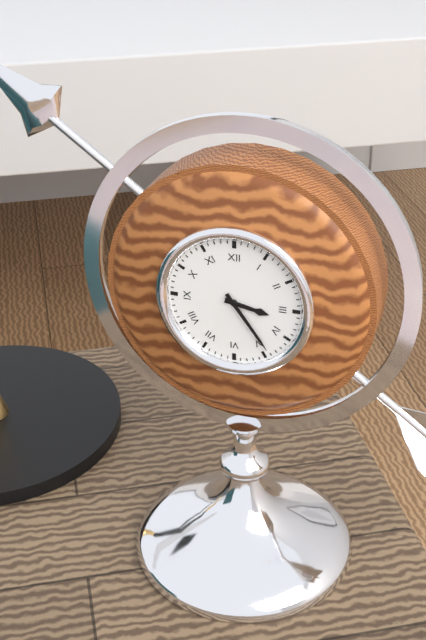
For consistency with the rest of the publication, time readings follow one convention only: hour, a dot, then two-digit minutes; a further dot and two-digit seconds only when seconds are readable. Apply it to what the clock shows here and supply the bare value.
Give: 3.24
